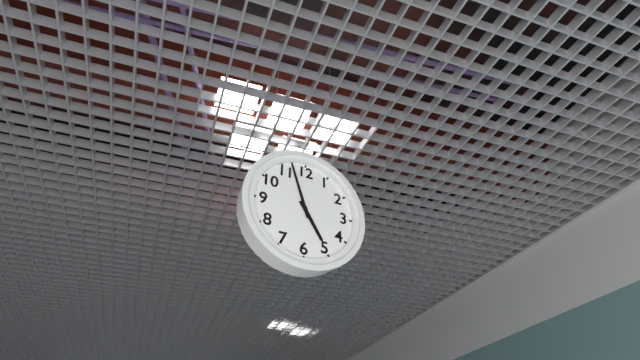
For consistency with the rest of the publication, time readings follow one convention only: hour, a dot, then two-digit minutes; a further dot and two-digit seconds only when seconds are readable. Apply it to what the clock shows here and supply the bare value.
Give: 4.57
